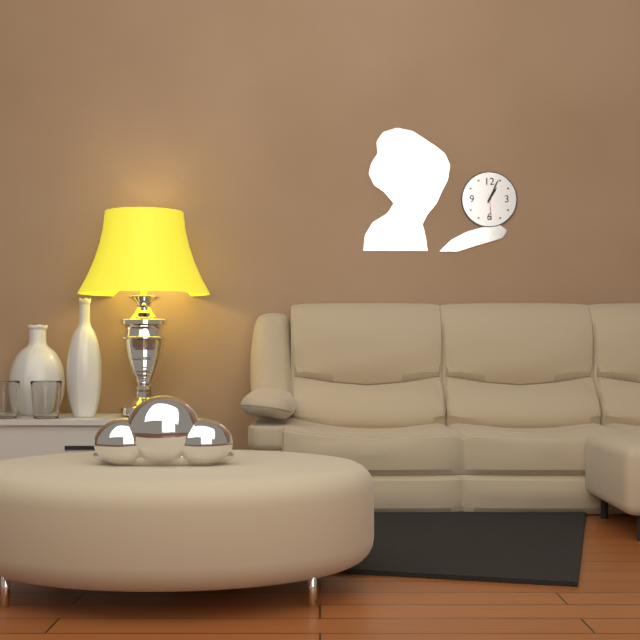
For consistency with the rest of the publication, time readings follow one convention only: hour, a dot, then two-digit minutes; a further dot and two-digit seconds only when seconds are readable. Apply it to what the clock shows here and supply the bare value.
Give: 1.04
